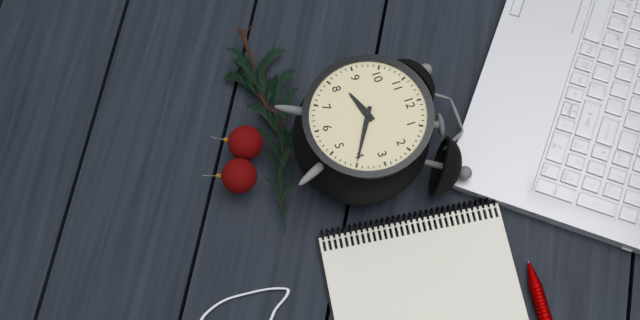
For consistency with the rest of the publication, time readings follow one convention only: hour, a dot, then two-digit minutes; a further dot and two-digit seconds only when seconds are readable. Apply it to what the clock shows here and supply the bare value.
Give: 8.20
